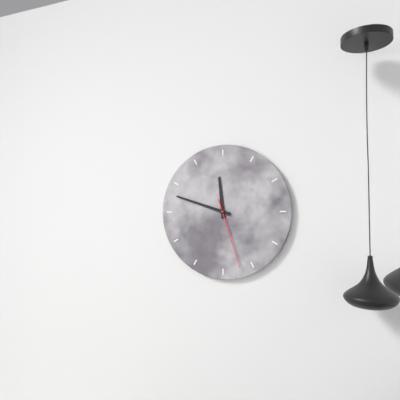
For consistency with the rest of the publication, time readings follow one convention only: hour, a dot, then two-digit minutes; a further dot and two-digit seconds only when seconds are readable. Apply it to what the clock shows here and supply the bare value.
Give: 11.48.27
